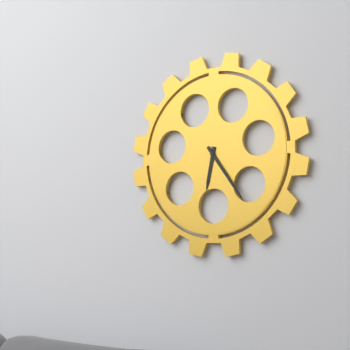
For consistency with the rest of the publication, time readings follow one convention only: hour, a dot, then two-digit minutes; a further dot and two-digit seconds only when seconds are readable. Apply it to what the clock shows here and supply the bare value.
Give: 6.24
